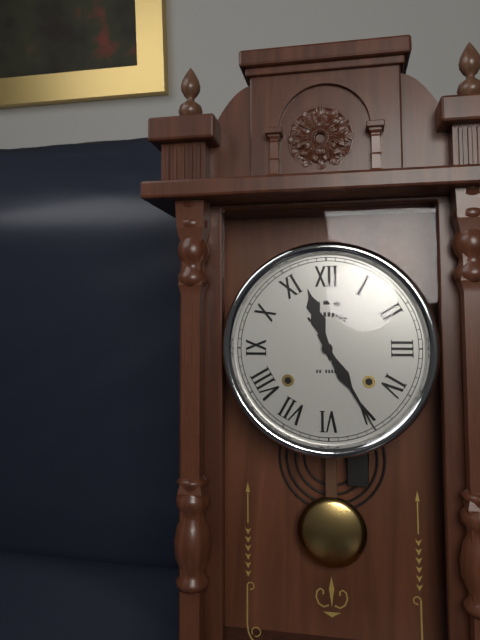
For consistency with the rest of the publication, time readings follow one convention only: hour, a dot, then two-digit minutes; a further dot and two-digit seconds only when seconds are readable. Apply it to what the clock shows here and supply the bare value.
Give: 11.25
